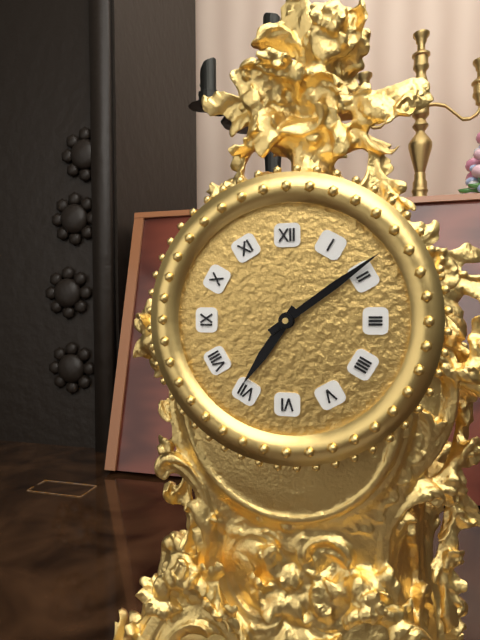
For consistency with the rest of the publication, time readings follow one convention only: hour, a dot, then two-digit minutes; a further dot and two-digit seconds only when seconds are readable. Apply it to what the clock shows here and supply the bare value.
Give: 7.09
